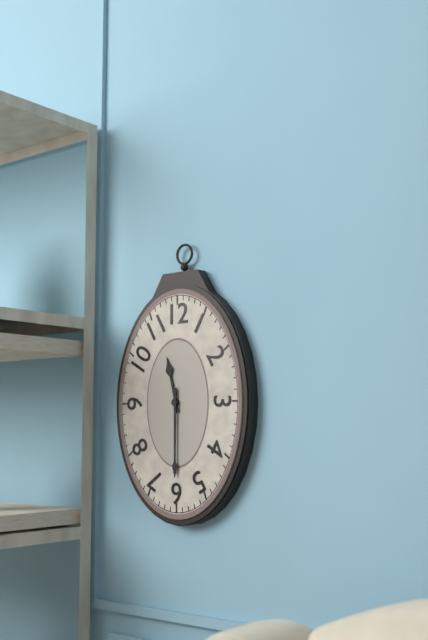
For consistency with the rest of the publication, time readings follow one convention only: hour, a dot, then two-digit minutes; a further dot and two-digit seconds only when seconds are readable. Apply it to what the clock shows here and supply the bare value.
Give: 11.30
